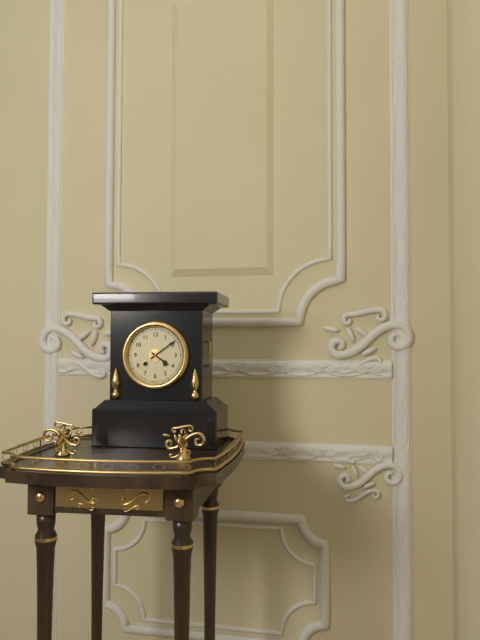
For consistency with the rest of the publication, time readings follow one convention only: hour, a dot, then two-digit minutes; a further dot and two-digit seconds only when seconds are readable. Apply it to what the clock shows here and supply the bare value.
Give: 4.09
